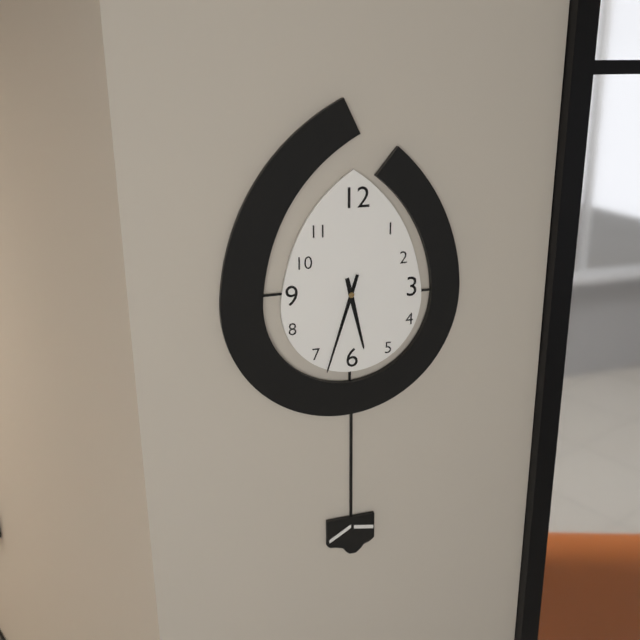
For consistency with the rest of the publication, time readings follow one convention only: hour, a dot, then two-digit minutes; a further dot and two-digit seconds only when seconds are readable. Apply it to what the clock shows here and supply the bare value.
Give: 5.33
